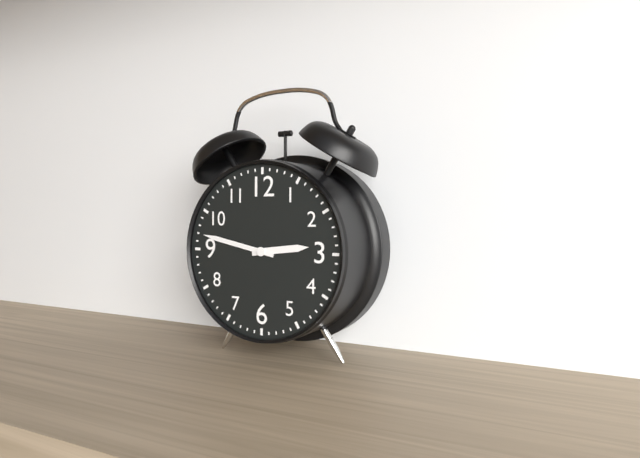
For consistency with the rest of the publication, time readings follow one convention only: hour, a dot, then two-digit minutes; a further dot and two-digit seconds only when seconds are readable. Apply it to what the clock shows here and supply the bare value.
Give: 2.47
